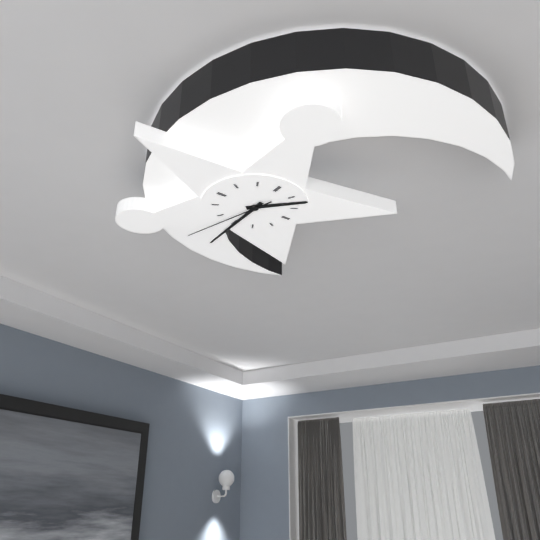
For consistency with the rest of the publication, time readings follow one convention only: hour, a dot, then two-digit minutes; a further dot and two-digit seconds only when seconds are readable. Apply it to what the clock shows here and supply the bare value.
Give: 1.30.33
